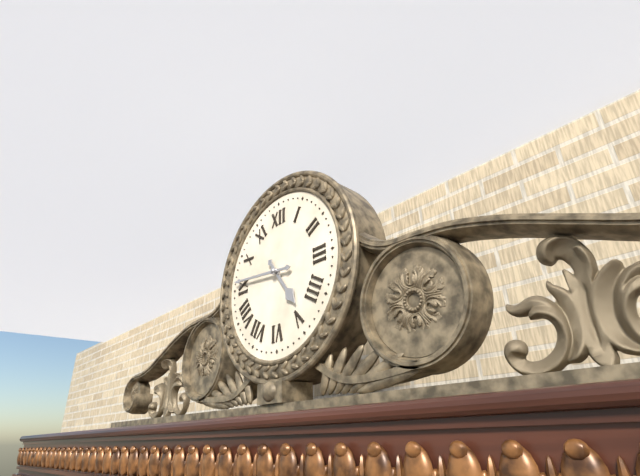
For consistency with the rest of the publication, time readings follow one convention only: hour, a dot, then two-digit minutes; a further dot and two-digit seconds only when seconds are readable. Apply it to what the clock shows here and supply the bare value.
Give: 4.46
